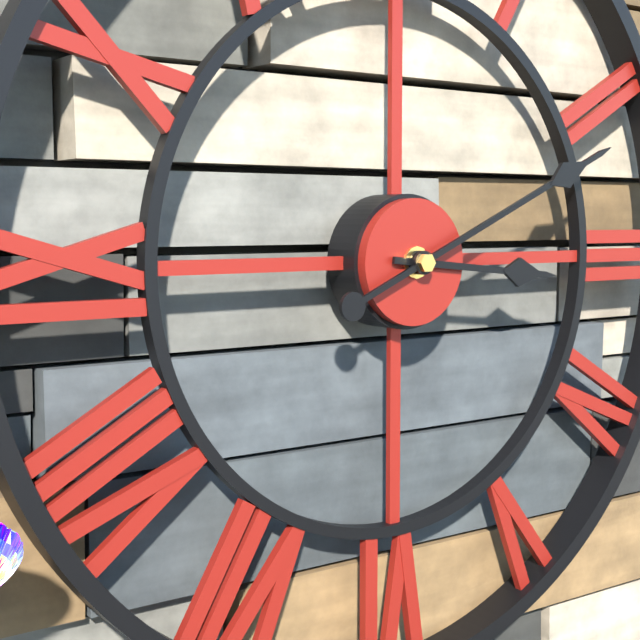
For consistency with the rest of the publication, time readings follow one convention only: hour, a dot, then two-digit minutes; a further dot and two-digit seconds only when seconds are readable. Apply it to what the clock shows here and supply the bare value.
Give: 3.11
